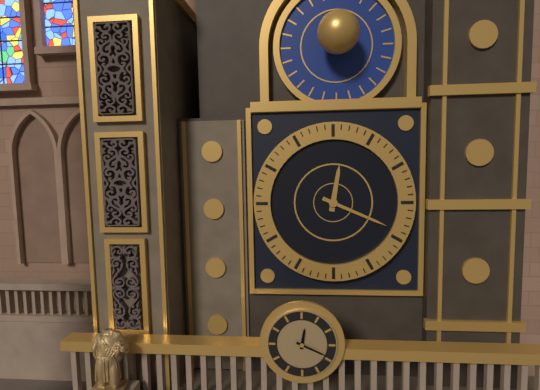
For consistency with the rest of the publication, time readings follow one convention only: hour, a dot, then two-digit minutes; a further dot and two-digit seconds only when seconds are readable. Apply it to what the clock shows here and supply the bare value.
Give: 12.19
